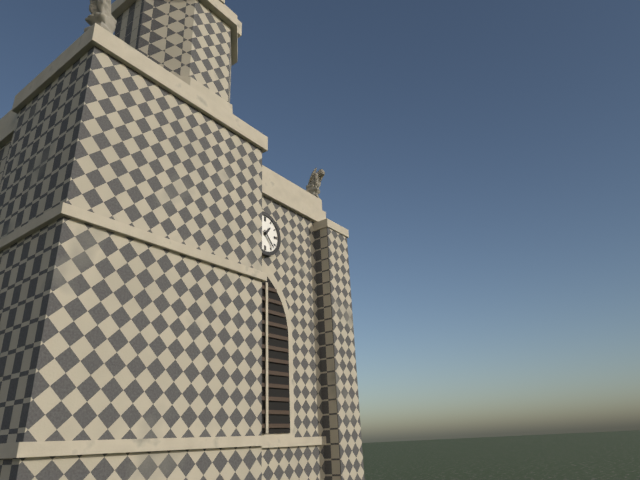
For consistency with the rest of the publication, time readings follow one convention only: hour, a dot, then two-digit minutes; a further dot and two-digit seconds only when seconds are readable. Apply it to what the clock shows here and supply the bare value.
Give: 1.23
